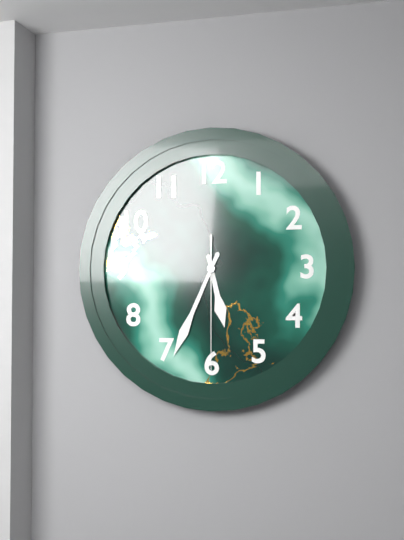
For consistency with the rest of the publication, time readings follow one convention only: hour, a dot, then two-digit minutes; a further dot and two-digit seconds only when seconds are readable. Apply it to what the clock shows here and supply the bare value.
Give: 5.34.30
